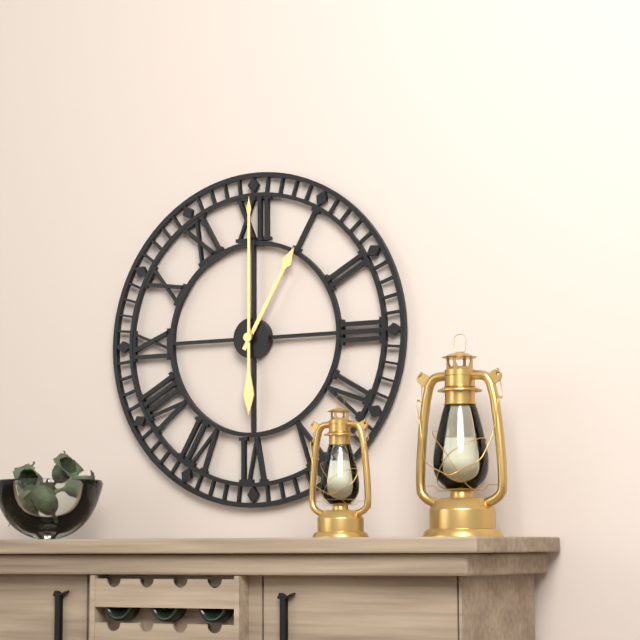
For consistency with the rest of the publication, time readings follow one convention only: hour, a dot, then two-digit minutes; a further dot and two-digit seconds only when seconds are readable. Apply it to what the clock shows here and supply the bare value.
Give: 1.00
